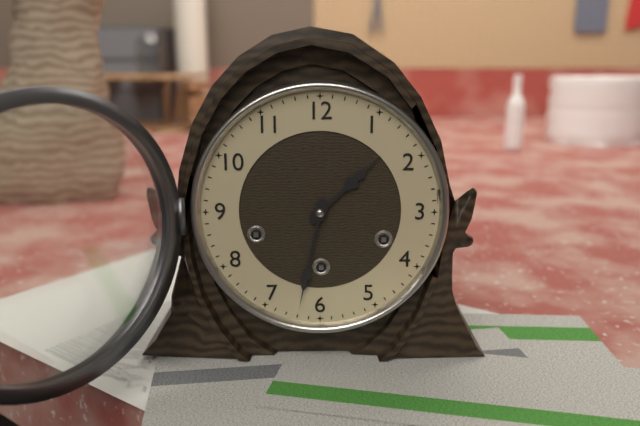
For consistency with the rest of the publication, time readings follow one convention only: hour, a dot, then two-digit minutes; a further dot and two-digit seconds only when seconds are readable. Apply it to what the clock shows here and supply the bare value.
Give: 1.32
